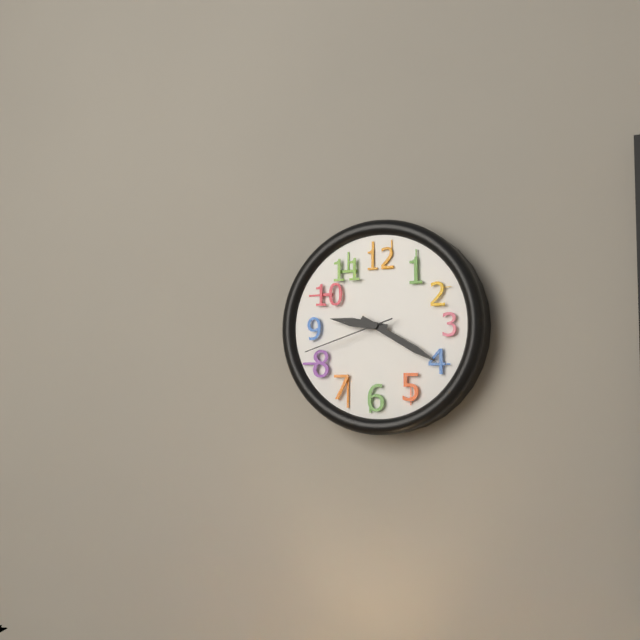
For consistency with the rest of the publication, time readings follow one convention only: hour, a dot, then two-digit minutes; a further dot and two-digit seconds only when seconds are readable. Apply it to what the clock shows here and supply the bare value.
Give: 9.20.42
